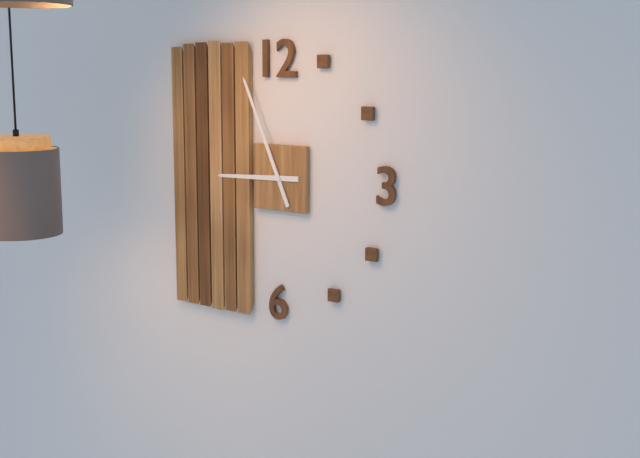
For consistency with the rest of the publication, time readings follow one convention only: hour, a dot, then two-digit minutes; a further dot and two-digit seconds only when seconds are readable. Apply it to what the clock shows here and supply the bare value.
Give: 8.56
